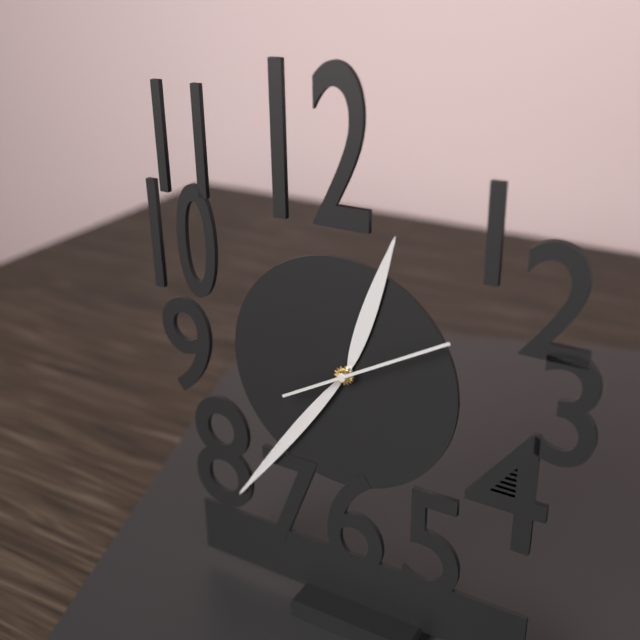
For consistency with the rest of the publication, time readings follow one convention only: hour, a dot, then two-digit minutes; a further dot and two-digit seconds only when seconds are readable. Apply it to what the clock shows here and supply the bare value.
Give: 12.36.10
